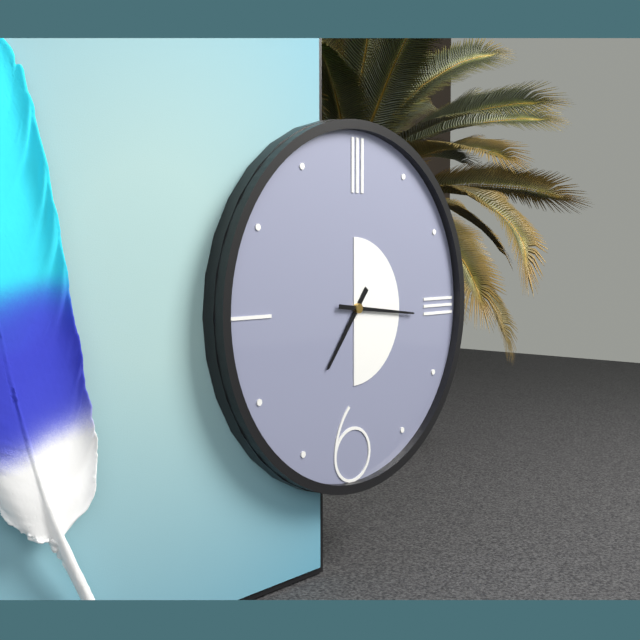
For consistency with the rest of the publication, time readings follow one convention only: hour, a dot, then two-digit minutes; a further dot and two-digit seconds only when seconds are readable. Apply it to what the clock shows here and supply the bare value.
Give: 7.16
